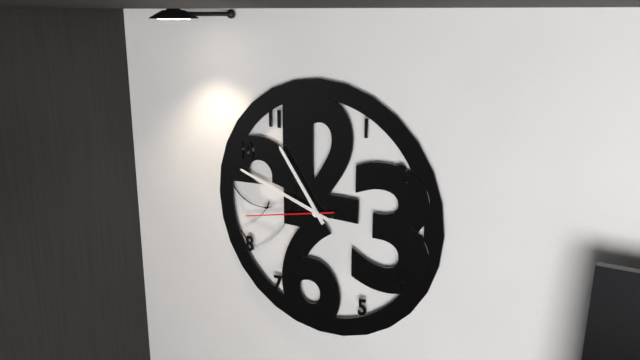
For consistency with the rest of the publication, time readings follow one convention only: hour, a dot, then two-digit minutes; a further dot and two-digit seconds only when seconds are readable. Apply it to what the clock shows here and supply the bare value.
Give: 10.48.43
